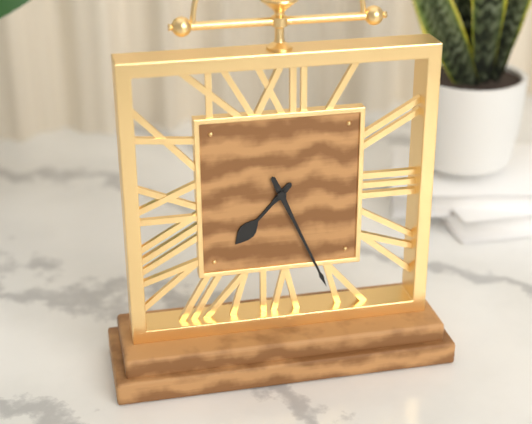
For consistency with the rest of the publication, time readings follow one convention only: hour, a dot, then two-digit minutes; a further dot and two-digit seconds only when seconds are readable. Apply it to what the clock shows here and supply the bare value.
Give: 7.26
